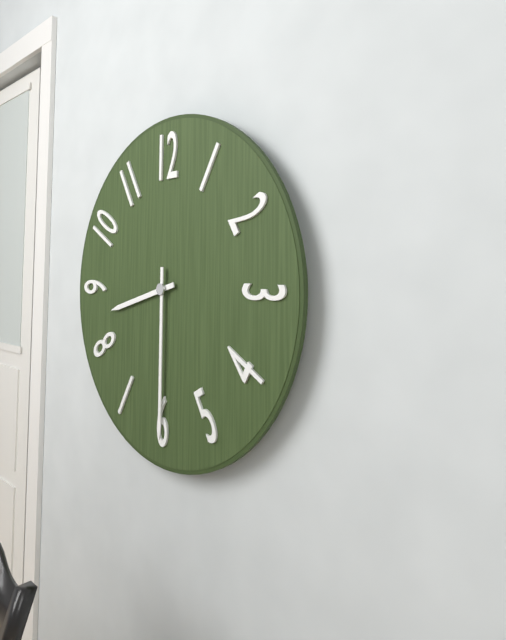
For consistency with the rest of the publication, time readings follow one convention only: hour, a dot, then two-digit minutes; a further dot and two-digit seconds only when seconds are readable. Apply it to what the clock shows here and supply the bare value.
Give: 8.30
